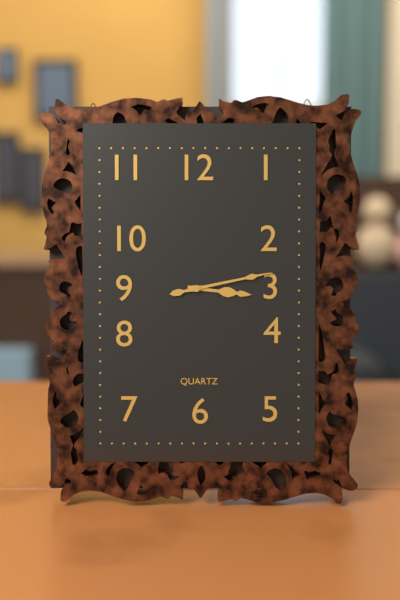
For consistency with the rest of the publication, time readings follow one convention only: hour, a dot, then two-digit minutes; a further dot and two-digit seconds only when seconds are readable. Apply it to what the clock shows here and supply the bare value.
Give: 3.13
